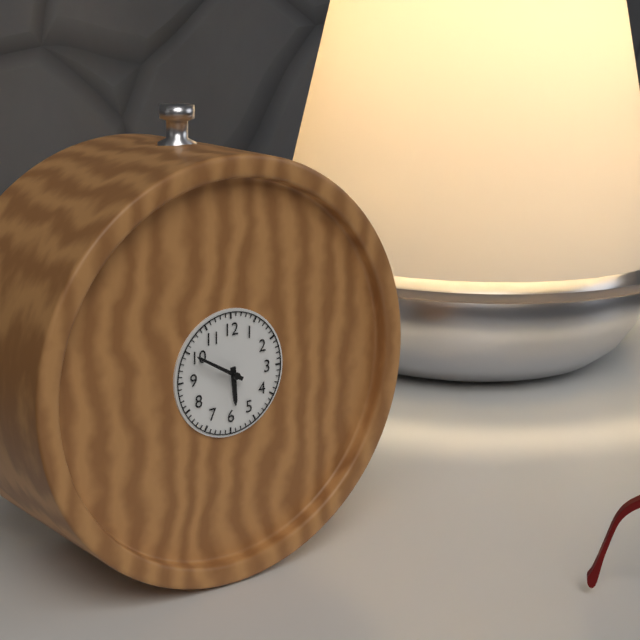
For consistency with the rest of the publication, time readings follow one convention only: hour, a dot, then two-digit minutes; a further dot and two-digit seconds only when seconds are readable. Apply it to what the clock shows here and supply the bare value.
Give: 5.50
